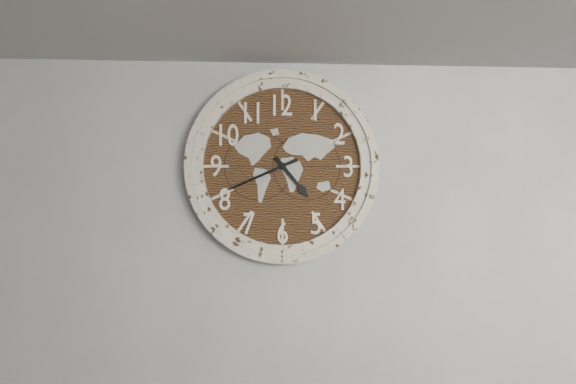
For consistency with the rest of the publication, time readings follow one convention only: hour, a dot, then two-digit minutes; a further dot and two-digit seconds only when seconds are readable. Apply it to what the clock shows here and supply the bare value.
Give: 4.41
